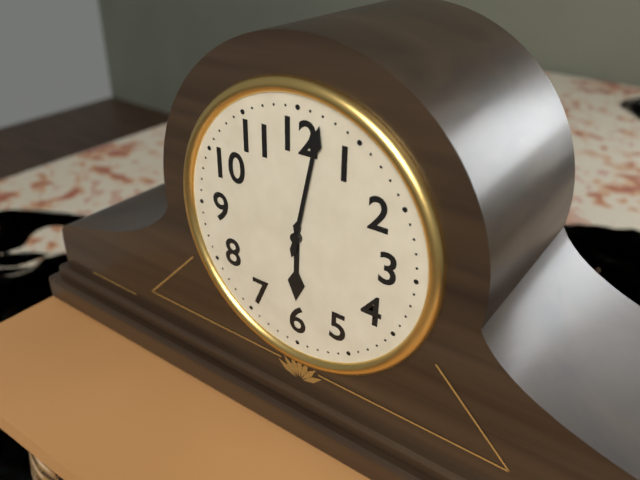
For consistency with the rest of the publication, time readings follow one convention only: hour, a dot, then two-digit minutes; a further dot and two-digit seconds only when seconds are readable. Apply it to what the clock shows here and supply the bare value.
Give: 6.02
